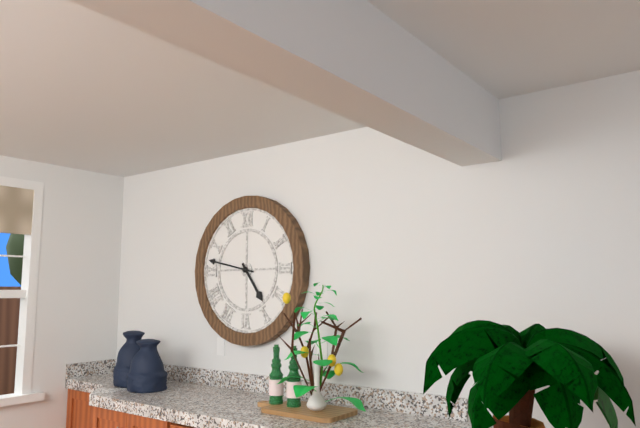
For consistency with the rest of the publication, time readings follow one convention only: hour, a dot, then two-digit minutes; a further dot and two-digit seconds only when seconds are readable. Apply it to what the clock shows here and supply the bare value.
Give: 4.47
